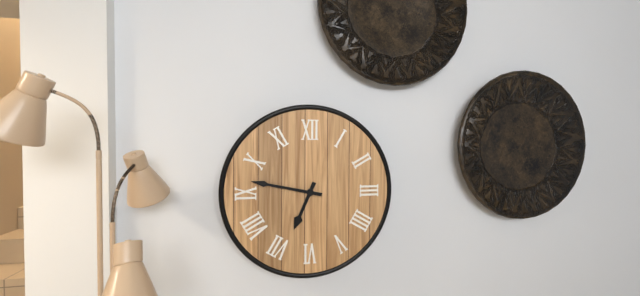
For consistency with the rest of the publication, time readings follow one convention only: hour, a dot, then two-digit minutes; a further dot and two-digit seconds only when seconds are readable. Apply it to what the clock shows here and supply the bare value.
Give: 6.47
